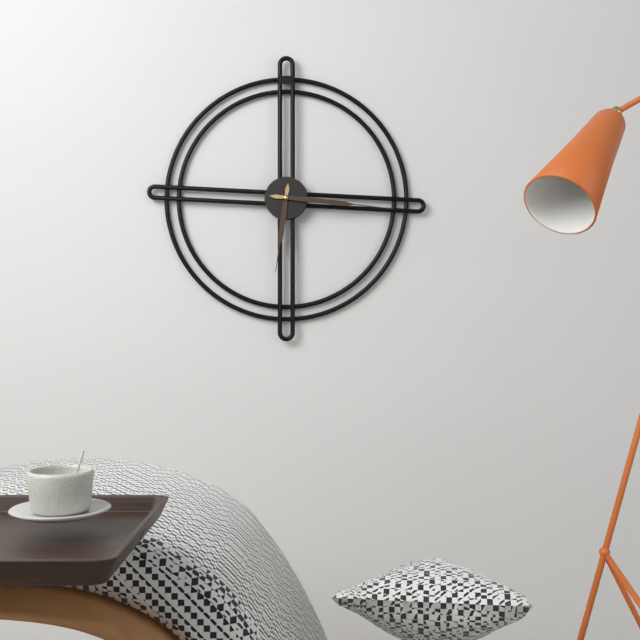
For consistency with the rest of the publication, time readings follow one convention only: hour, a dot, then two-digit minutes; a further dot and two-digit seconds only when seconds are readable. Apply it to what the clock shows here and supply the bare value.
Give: 6.16
